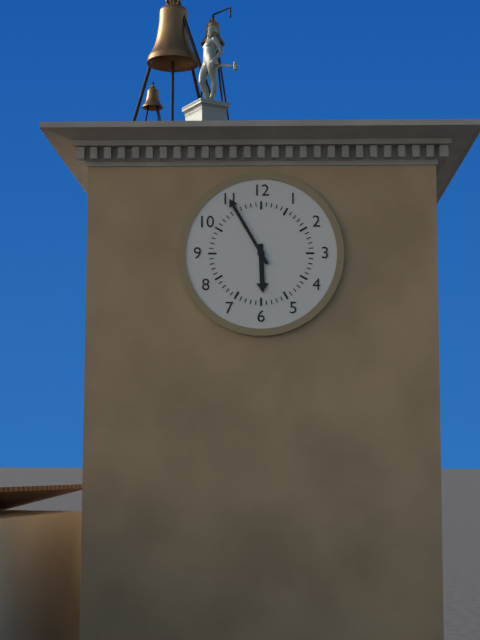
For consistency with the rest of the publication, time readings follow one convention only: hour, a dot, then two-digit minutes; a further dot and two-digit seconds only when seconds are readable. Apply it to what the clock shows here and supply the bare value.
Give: 5.55
